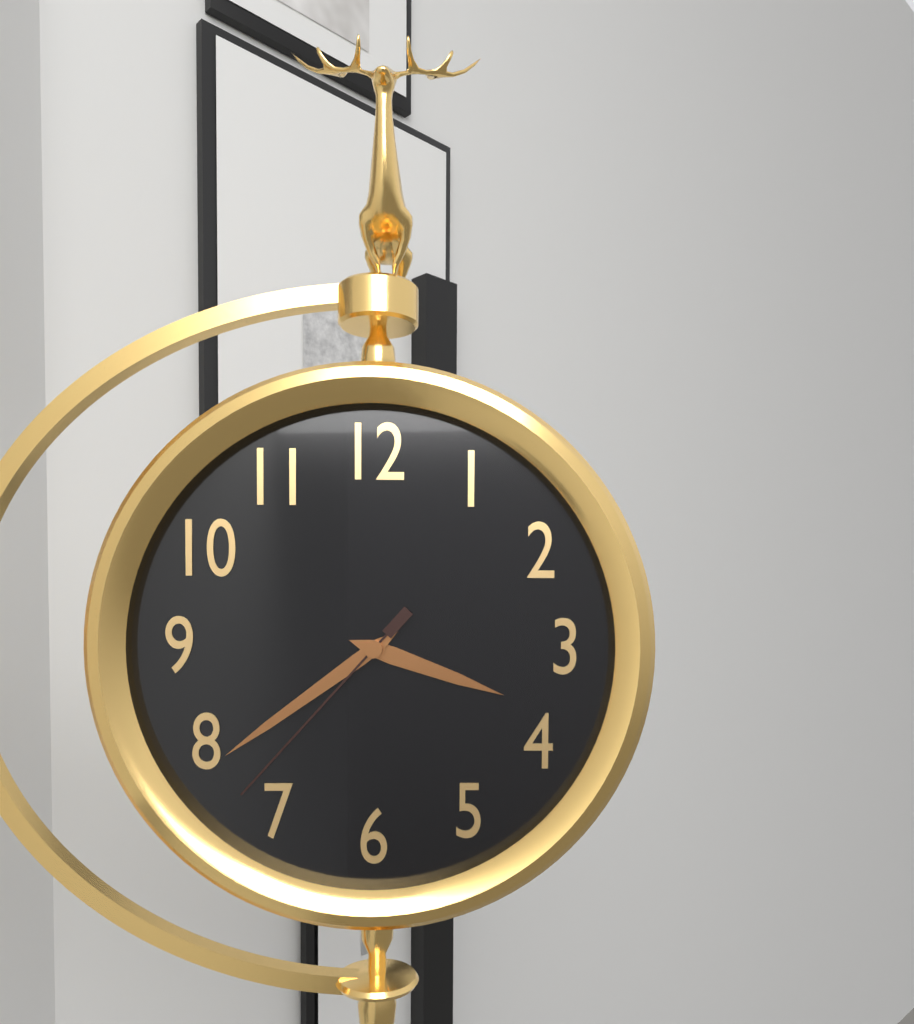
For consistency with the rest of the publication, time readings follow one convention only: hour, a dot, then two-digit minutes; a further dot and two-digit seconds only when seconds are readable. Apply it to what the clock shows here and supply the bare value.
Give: 3.39.37
